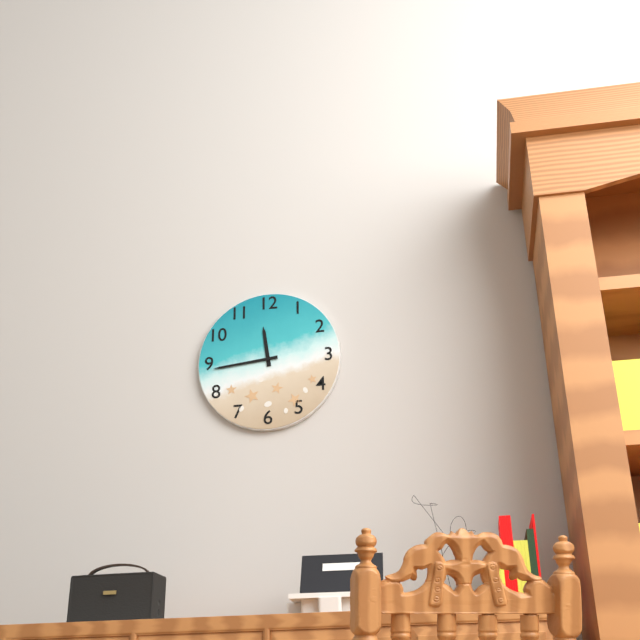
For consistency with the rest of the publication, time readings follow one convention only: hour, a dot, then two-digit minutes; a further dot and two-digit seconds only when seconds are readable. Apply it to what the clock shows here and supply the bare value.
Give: 11.44
